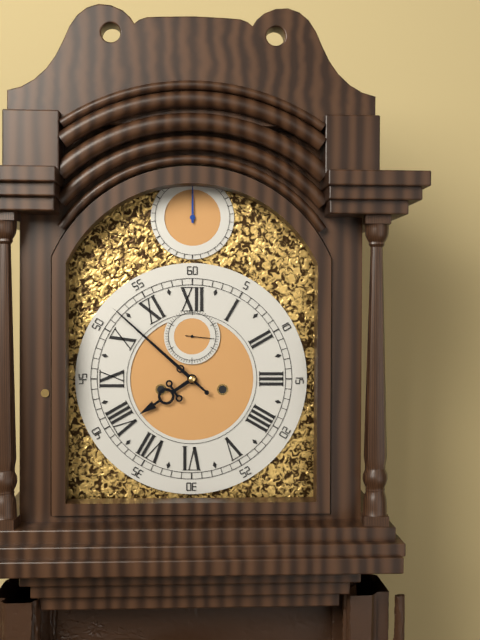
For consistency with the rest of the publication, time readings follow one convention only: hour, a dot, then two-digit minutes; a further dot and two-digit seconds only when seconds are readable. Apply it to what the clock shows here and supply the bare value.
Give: 7.52
